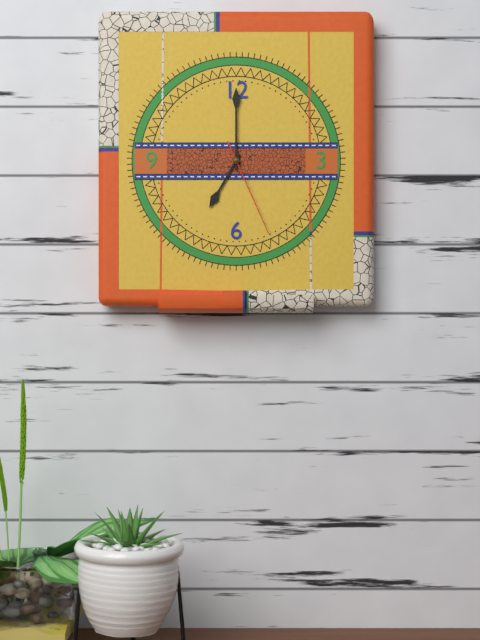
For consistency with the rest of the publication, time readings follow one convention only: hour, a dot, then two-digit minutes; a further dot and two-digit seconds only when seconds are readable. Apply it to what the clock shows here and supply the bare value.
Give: 7.00.26
